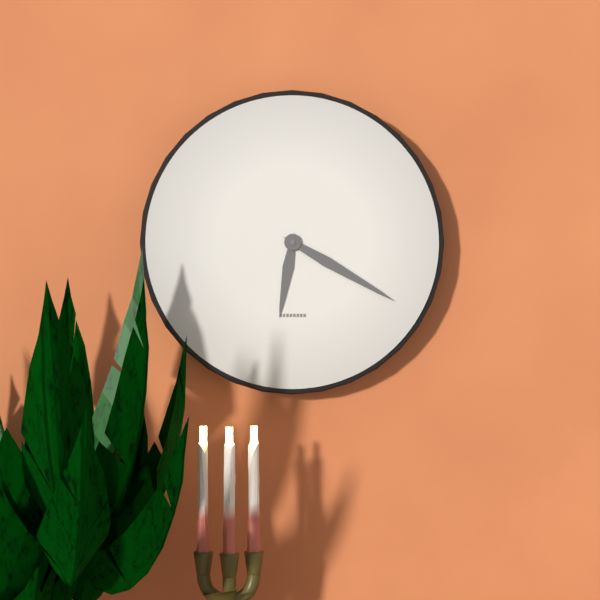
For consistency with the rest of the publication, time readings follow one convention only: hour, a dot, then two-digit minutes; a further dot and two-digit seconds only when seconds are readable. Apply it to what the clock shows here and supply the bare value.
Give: 6.20
